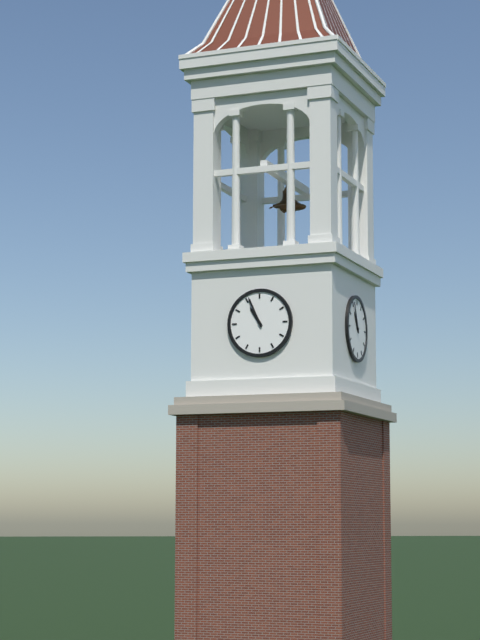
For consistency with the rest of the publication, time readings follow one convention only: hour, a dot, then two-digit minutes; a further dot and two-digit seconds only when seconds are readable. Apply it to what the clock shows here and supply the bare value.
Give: 10.56
